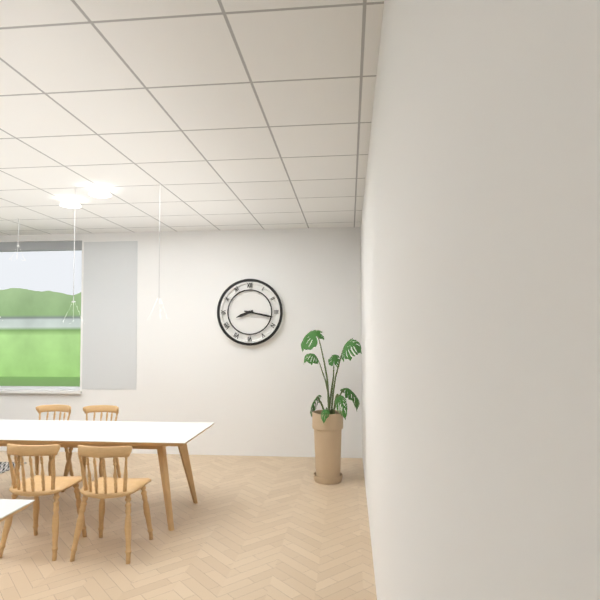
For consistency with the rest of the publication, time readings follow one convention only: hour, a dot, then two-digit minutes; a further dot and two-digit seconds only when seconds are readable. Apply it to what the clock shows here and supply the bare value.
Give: 8.17
